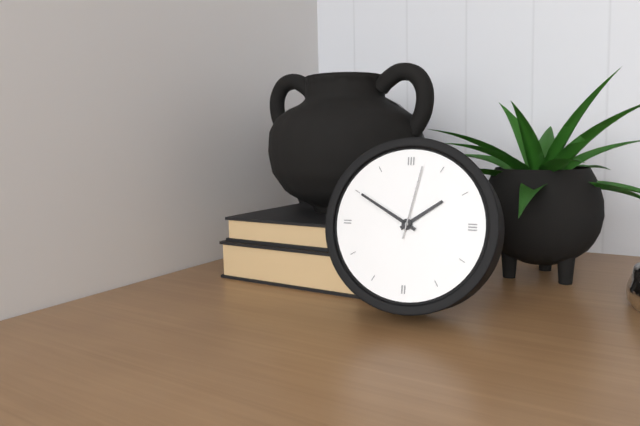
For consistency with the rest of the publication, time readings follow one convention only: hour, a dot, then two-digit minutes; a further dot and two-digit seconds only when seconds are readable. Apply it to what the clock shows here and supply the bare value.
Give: 1.50.02
